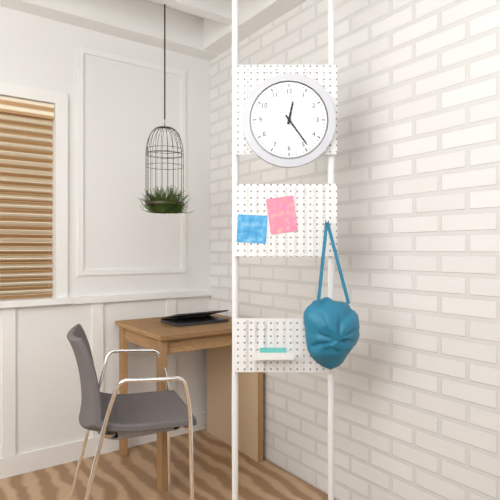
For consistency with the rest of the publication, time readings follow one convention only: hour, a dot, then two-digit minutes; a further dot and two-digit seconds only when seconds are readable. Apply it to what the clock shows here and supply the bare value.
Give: 12.24
